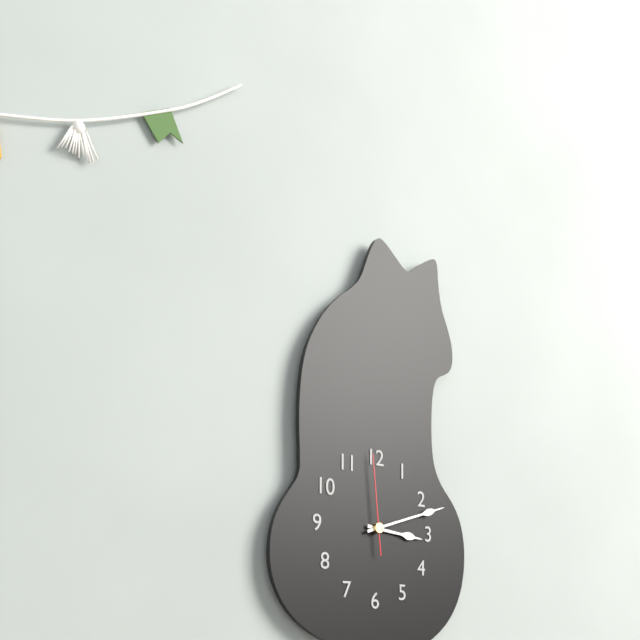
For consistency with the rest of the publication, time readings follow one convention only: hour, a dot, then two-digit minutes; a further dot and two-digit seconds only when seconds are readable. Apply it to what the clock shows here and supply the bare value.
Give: 3.12.59
